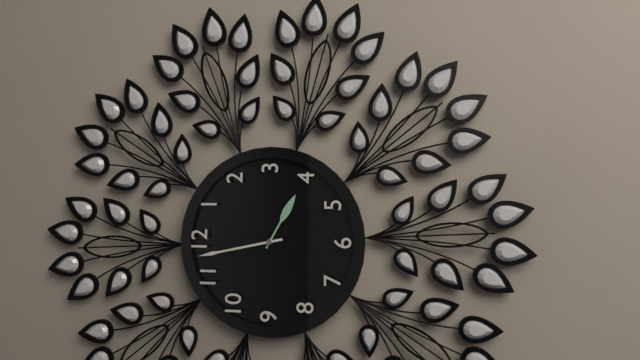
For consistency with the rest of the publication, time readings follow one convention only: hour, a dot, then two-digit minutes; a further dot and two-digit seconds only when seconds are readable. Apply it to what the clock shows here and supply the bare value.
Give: 3.58
